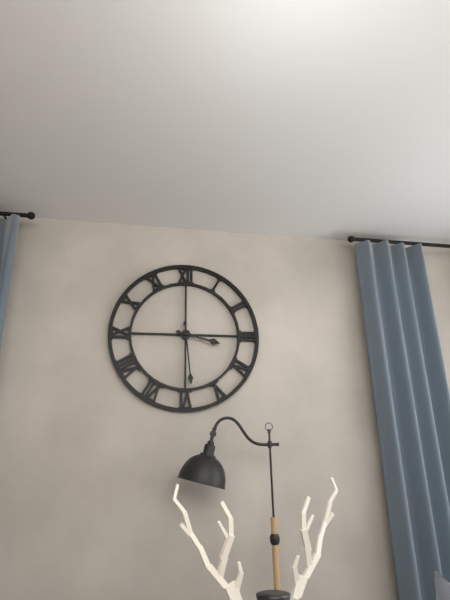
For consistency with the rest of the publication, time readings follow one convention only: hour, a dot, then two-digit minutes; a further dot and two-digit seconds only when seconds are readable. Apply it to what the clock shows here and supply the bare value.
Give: 3.29
